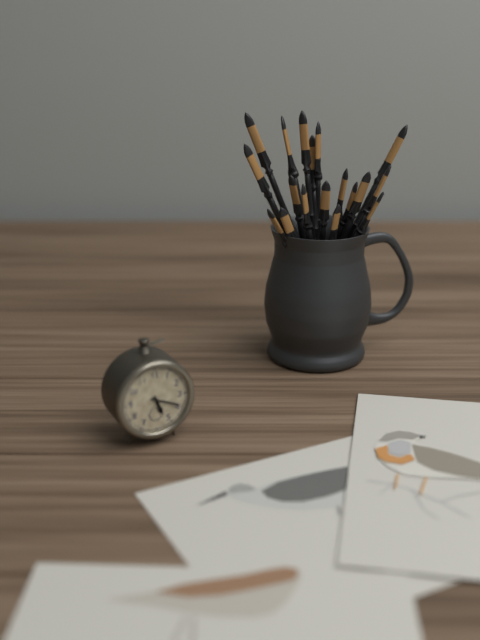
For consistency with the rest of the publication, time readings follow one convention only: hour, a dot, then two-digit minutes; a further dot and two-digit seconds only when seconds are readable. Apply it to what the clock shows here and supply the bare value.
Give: 5.19
